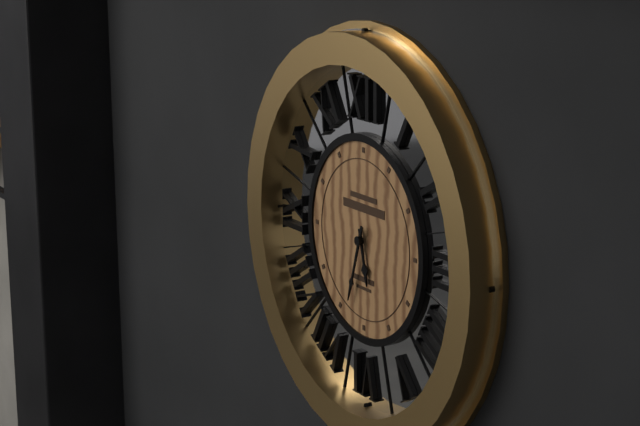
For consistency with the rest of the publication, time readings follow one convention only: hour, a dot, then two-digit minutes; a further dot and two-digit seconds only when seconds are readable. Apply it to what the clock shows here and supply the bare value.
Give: 5.33
